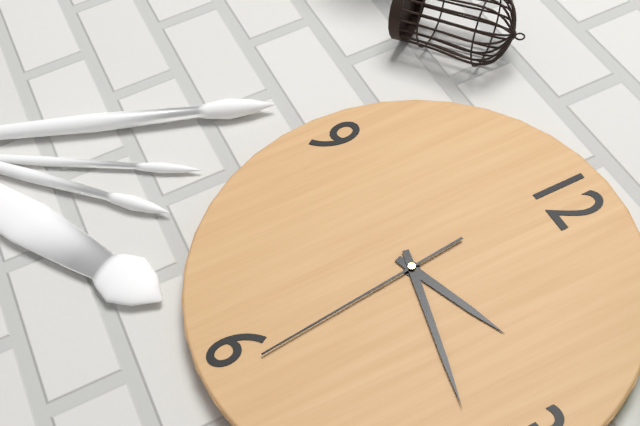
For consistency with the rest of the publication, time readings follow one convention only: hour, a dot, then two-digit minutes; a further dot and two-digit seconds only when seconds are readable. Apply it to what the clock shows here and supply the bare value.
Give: 2.17.29
